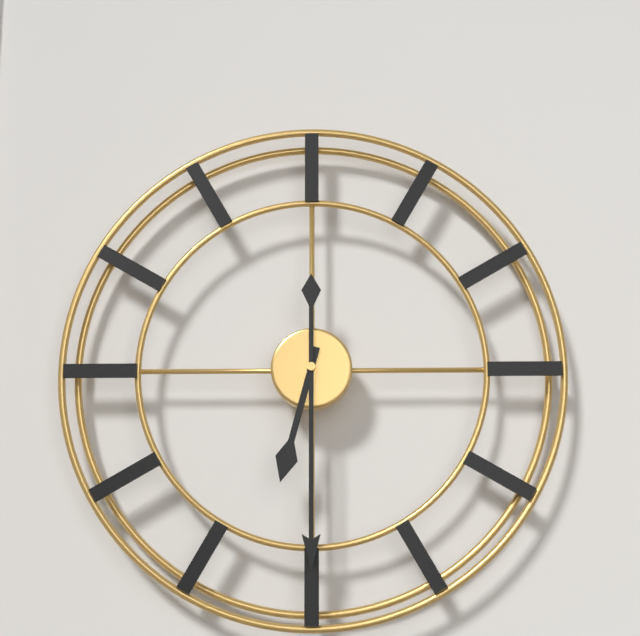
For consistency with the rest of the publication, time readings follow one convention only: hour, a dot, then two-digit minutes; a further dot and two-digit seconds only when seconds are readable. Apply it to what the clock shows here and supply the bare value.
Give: 6.30
